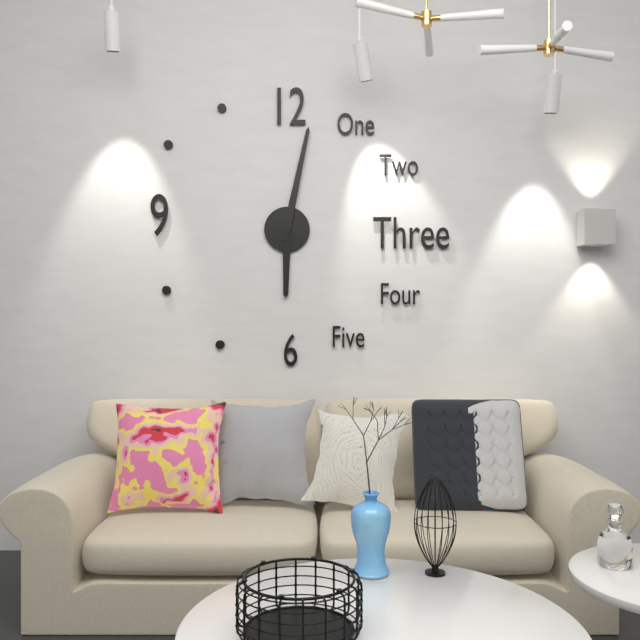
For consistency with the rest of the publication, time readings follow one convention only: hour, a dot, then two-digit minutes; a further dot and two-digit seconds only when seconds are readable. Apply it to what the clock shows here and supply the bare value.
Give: 6.02
